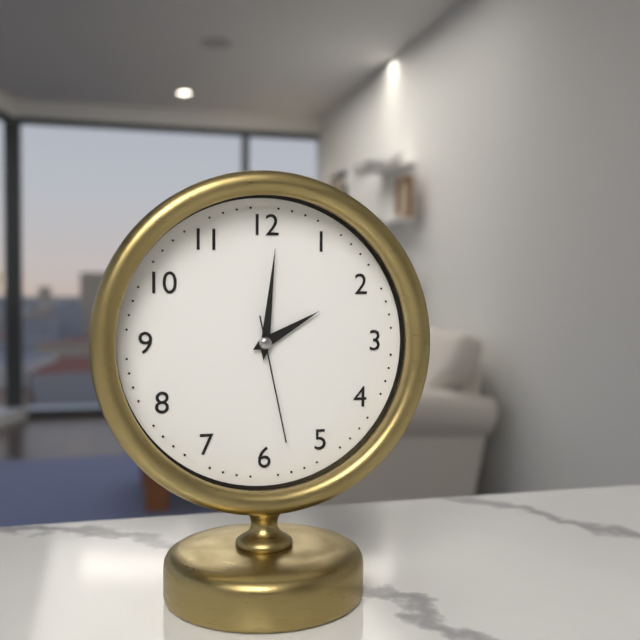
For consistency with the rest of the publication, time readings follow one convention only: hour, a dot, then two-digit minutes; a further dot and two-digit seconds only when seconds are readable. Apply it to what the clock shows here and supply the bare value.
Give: 2.01.28
